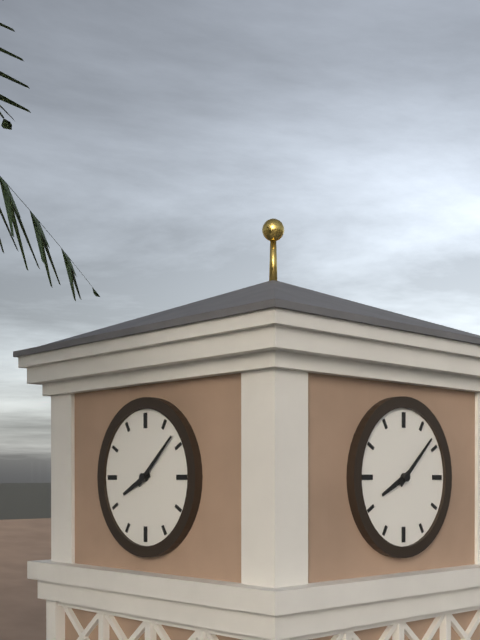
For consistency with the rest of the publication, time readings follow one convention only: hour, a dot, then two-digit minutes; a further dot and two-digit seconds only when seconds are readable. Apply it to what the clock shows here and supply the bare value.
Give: 8.08
